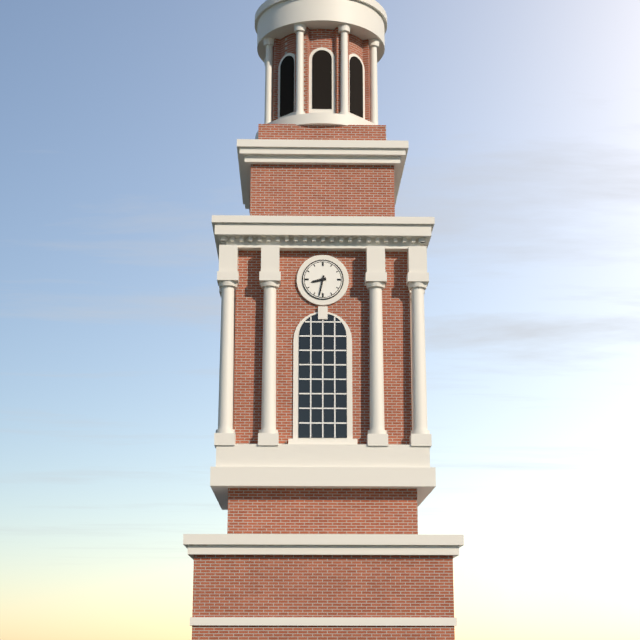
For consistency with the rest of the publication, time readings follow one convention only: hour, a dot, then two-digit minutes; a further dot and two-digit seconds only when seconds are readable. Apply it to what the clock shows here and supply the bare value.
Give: 8.32
